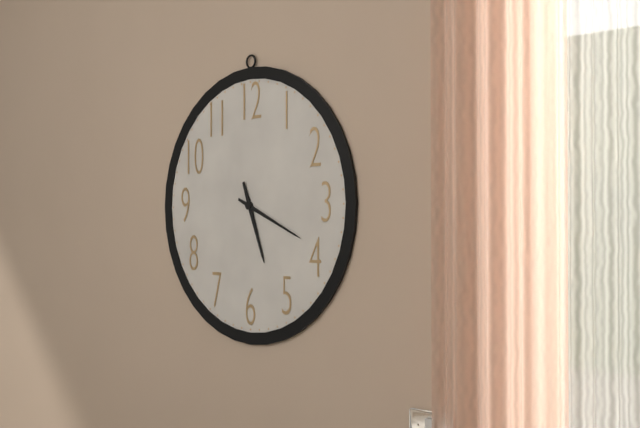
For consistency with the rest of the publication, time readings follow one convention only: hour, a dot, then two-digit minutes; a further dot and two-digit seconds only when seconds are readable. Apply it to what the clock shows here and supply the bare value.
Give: 5.19
